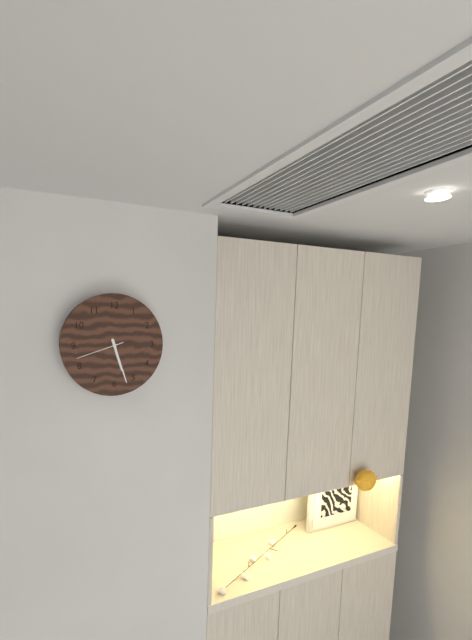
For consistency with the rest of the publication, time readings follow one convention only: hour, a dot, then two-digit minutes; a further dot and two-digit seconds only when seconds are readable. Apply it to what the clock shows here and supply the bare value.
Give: 5.27
